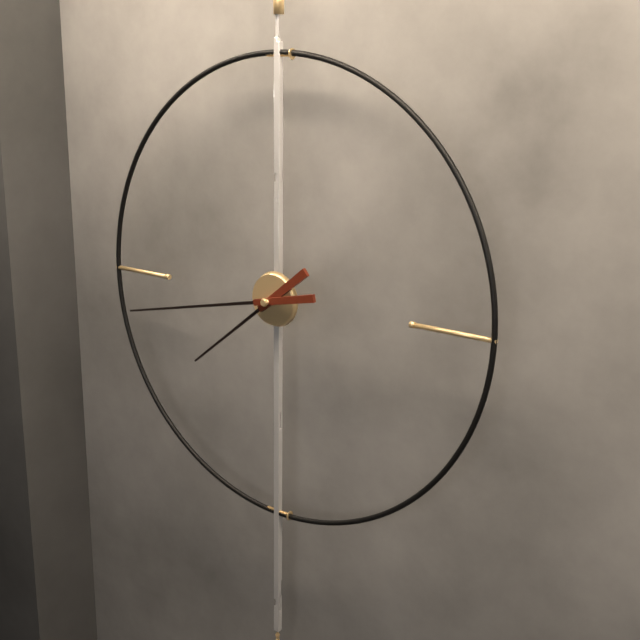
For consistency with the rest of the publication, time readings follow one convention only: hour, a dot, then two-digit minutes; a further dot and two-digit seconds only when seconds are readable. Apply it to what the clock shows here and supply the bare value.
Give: 7.43
